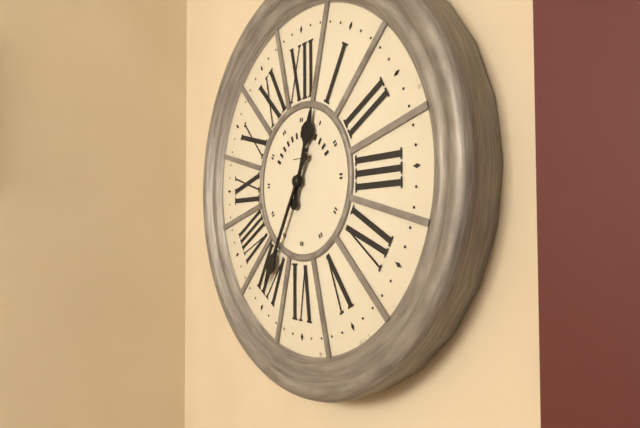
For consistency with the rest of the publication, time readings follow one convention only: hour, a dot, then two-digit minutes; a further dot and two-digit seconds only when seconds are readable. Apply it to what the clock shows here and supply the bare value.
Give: 12.35
